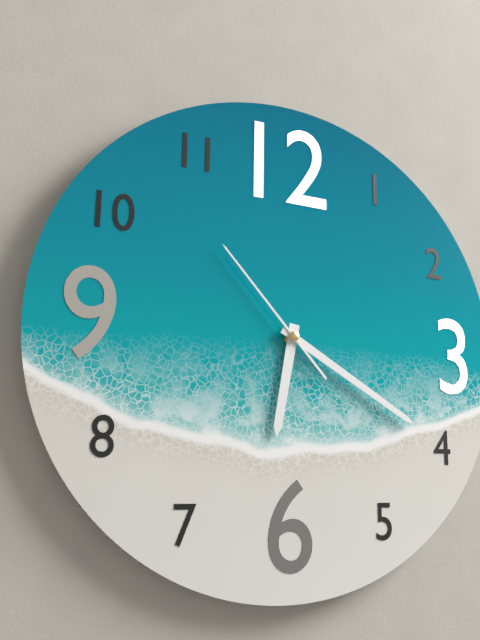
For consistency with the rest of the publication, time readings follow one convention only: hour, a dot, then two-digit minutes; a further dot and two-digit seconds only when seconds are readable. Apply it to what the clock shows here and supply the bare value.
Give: 6.20.53
